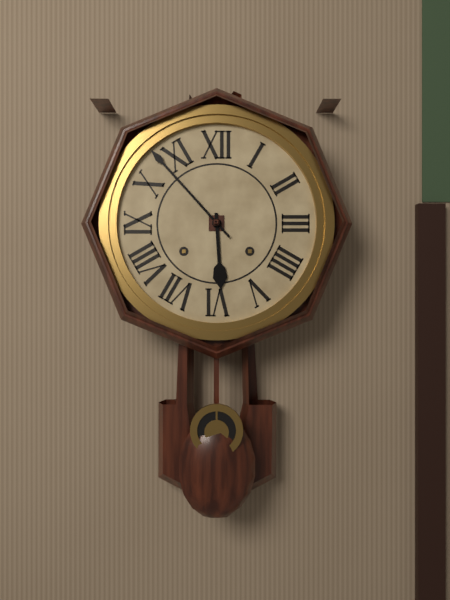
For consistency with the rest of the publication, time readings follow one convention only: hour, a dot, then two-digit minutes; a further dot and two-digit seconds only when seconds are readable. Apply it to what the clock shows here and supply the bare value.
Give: 5.53
